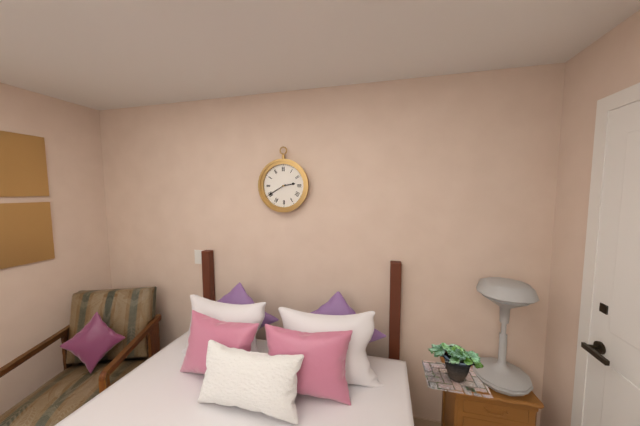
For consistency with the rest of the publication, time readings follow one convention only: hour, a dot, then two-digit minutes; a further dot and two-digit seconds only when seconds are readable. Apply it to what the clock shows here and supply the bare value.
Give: 2.40
